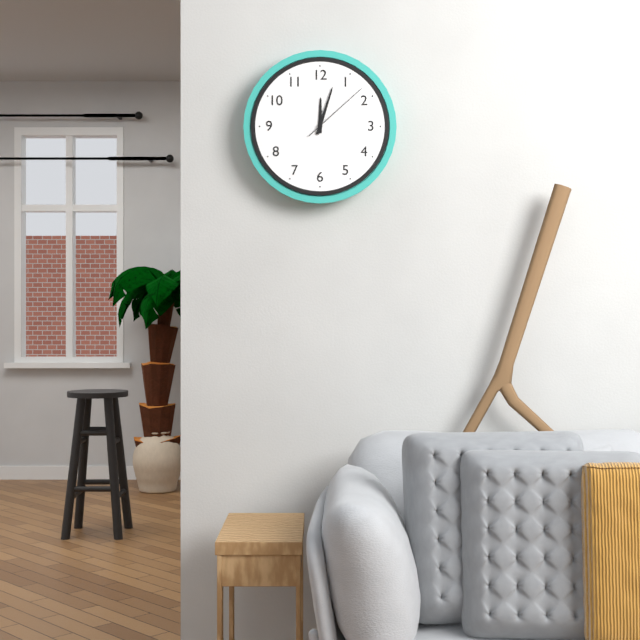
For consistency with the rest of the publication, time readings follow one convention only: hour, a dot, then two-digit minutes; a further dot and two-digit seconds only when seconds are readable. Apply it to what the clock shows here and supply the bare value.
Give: 12.03.08
